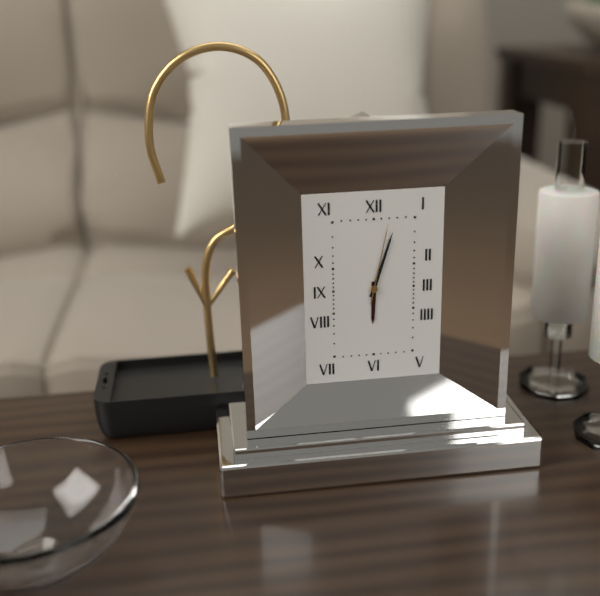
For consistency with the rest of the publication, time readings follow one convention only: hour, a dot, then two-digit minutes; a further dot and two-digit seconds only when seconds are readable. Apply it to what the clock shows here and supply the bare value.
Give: 6.03.02
